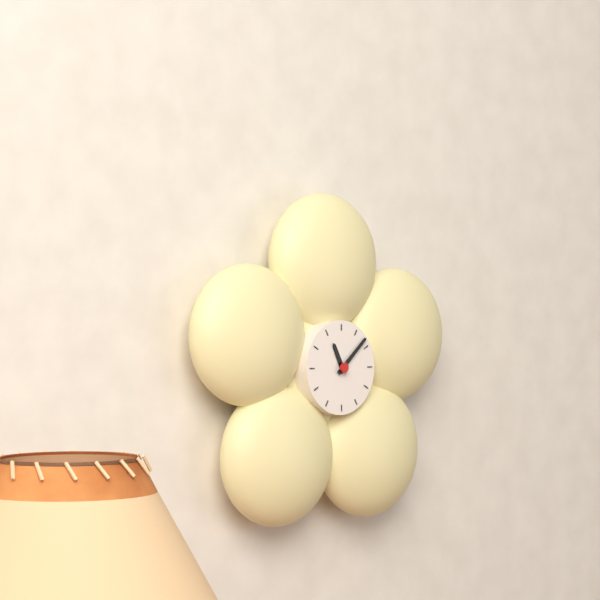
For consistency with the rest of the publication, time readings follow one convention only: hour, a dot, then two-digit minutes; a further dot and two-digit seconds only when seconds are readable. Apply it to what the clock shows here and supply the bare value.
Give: 11.08
